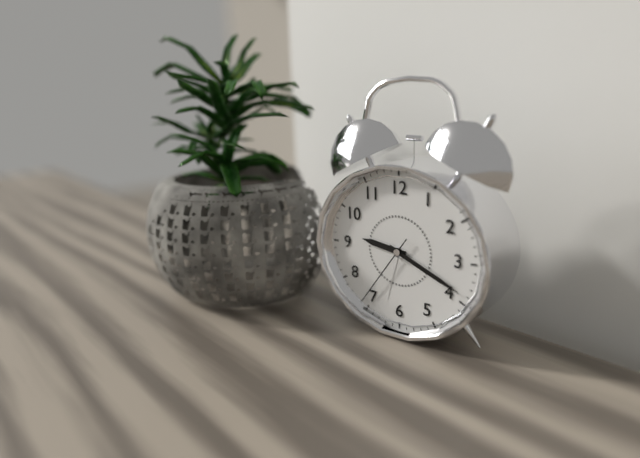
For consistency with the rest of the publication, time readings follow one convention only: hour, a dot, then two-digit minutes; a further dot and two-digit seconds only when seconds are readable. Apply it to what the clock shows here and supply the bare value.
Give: 9.19.36
